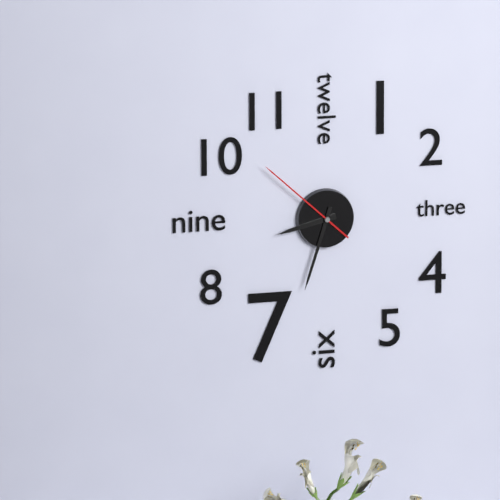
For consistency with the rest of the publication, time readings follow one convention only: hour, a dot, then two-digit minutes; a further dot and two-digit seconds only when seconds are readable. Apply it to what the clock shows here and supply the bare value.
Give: 8.33.52
